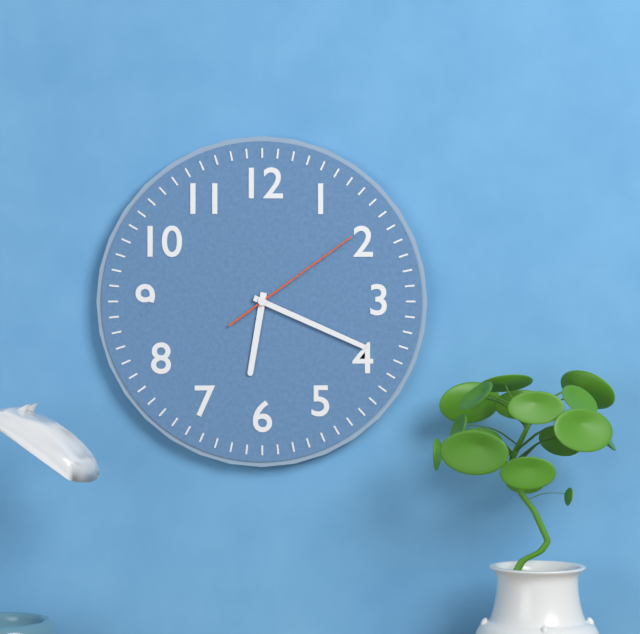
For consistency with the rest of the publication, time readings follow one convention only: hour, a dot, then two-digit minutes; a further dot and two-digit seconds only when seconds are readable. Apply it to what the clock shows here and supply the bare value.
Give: 6.19.09
